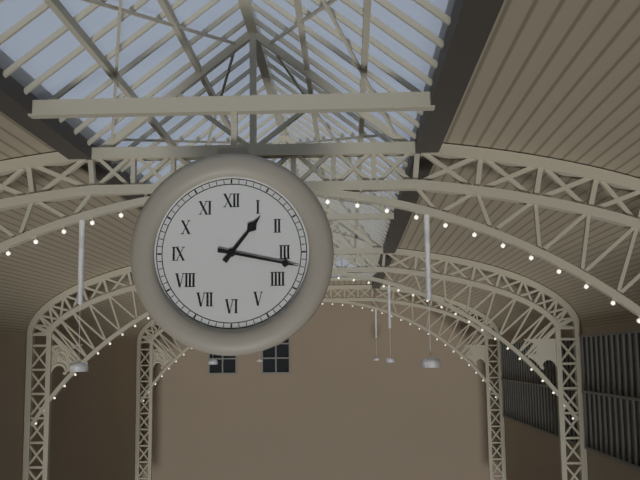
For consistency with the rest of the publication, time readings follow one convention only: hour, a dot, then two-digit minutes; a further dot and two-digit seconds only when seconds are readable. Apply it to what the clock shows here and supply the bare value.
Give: 1.17
